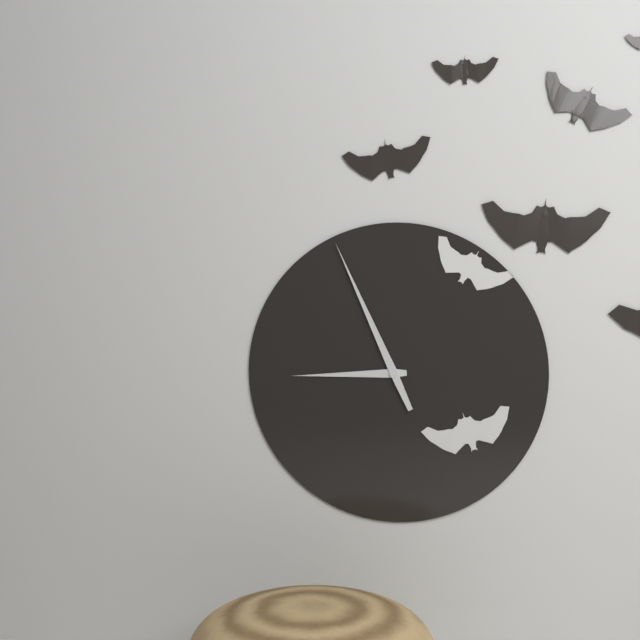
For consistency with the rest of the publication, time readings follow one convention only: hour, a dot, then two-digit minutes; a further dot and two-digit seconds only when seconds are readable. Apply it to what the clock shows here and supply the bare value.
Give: 8.56
